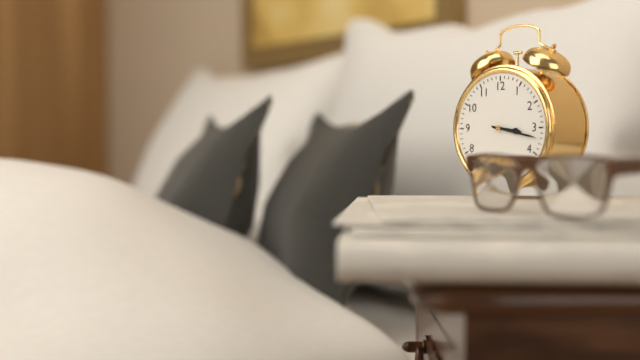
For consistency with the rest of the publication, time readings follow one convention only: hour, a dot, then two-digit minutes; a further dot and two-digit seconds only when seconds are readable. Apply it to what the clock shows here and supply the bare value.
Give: 3.17
